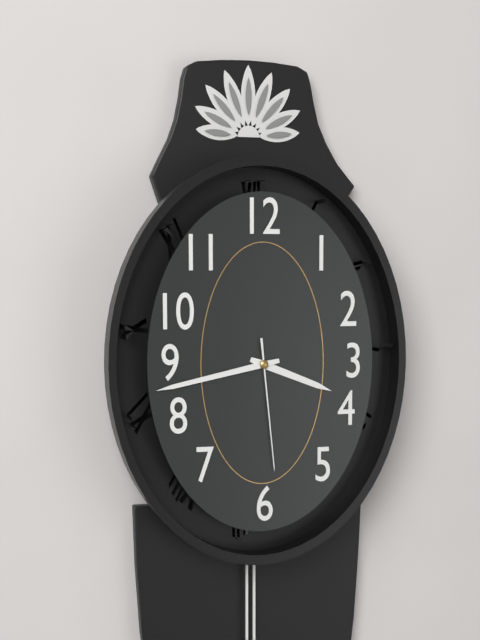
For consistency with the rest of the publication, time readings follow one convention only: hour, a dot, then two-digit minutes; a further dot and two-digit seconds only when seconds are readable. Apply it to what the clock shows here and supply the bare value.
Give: 3.43.29
